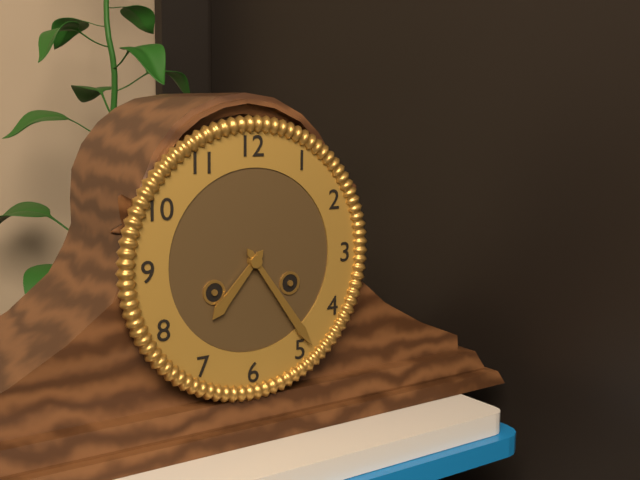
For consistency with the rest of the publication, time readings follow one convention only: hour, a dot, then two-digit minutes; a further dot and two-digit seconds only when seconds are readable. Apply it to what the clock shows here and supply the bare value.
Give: 7.24
